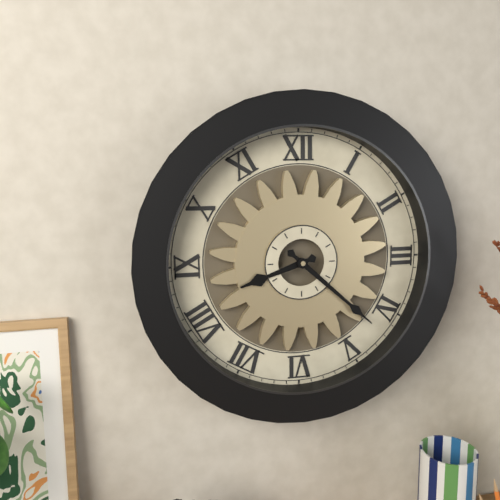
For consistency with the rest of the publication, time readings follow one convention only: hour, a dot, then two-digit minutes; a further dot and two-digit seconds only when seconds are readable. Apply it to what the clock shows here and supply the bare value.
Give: 8.22
